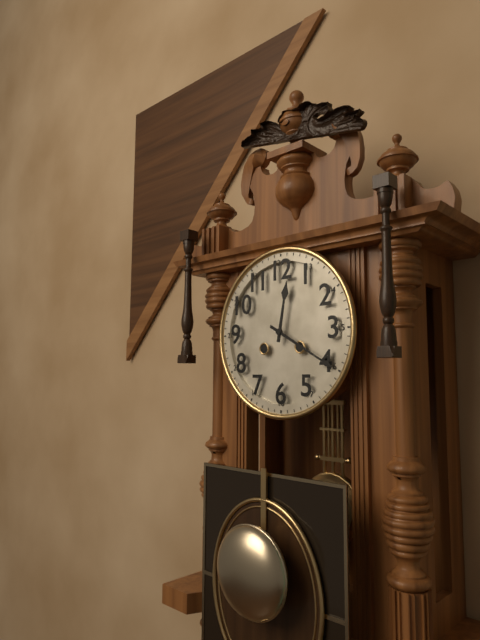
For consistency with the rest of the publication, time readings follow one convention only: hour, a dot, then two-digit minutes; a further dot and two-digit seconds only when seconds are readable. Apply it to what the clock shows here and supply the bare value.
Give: 12.20
